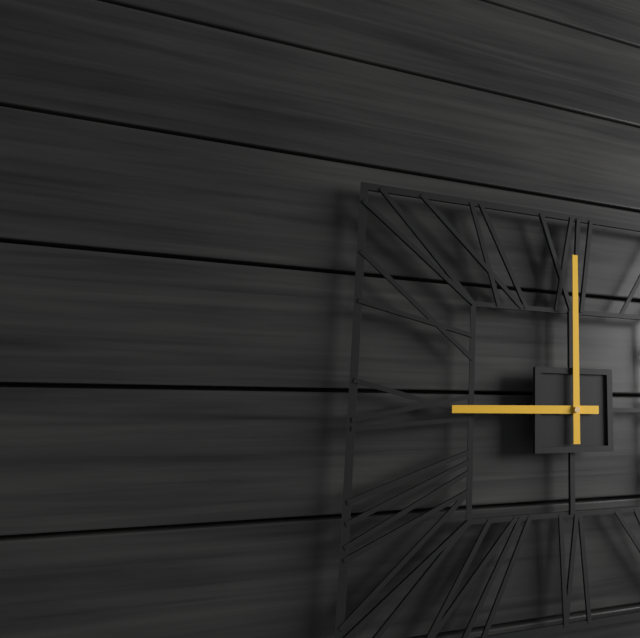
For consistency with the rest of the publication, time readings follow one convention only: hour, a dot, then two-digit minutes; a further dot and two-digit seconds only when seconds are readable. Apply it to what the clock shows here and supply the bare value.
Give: 9.00
